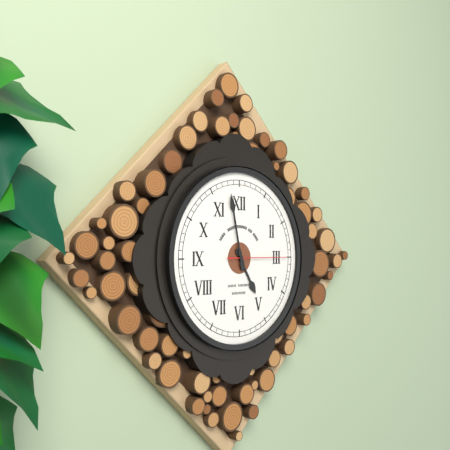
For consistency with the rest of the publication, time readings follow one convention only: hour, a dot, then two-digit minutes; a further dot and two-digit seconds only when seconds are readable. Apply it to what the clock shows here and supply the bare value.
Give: 4.58.15
